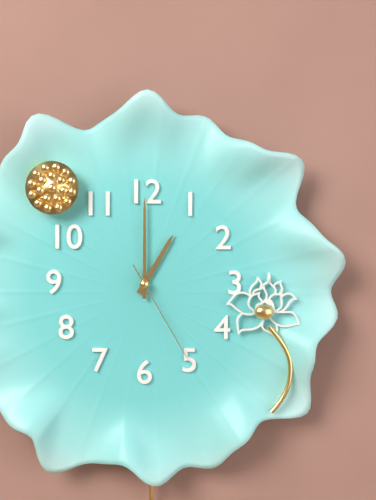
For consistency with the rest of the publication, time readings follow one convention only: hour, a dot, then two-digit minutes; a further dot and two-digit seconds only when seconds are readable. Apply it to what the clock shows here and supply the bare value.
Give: 1.00.25
